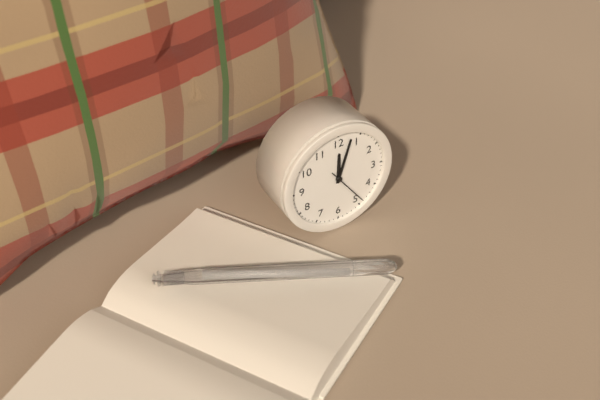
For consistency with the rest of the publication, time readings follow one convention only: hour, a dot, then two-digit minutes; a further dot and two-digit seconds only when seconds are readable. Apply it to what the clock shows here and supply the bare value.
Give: 12.03
